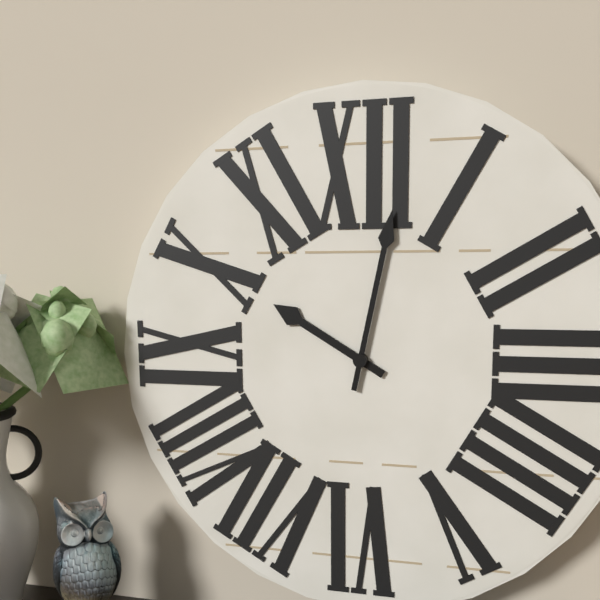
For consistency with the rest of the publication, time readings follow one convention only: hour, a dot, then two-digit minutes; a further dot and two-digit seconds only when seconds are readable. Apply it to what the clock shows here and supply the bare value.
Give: 10.02
